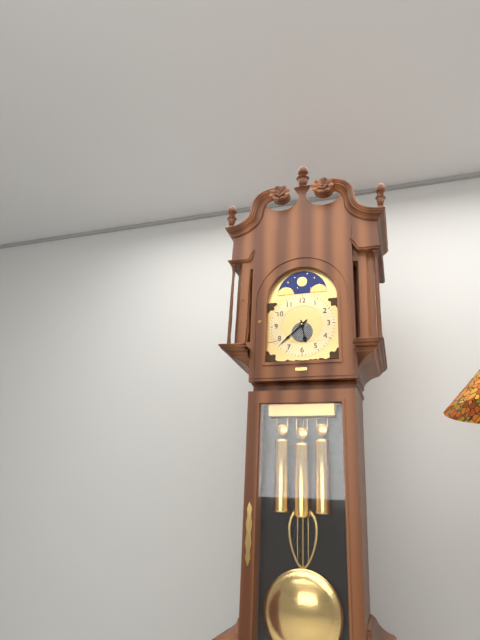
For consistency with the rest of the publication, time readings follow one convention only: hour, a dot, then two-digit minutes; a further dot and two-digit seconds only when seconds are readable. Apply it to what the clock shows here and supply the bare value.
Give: 5.38
